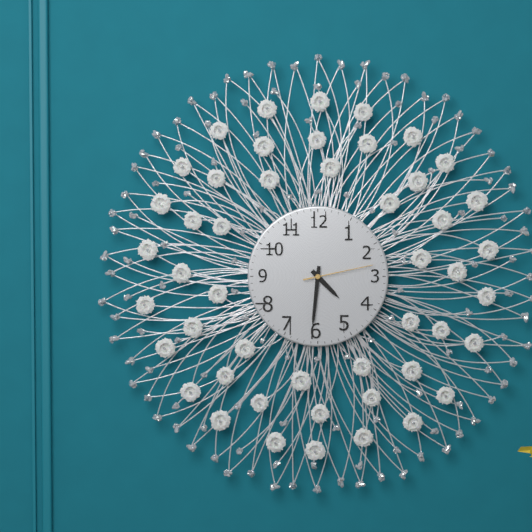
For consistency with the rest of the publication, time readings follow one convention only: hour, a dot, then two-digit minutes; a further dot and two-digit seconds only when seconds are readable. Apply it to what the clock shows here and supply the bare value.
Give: 4.31.13
